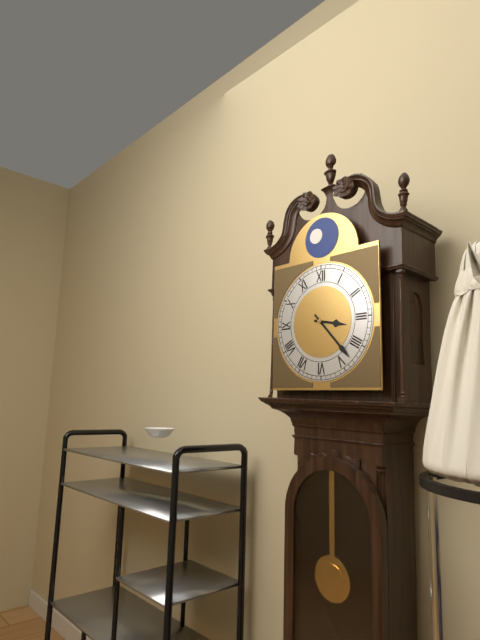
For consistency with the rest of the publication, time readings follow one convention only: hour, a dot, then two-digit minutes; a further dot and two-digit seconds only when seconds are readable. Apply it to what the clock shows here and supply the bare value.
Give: 3.23
